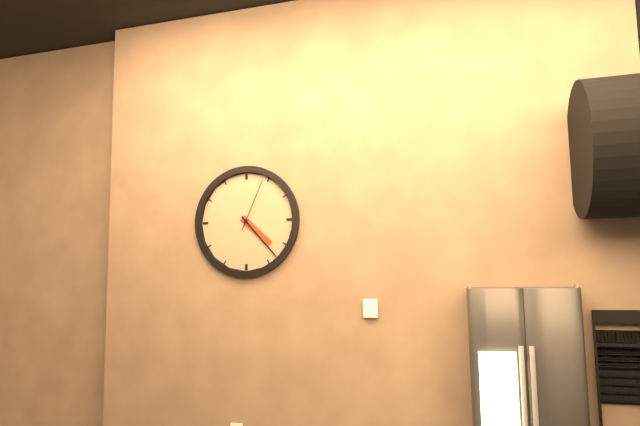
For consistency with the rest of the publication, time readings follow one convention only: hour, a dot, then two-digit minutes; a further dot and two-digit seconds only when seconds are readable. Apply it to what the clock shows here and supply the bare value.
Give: 4.23.04
